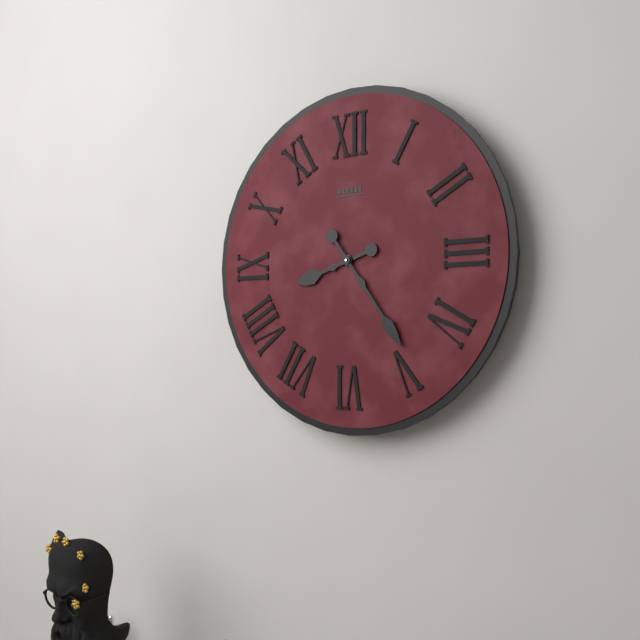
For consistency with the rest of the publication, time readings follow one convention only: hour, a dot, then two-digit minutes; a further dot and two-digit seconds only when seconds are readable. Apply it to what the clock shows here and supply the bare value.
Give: 8.24
